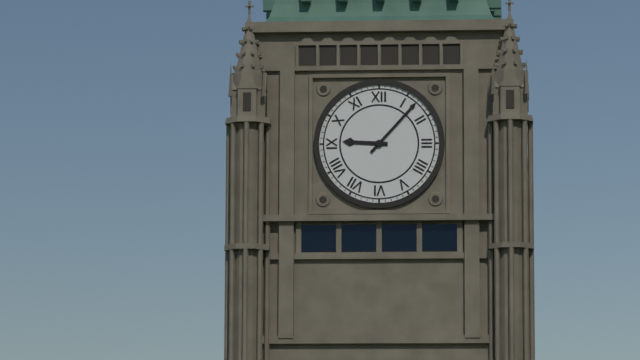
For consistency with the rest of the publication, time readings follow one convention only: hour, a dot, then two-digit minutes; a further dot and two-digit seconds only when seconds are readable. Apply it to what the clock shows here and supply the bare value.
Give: 9.07
